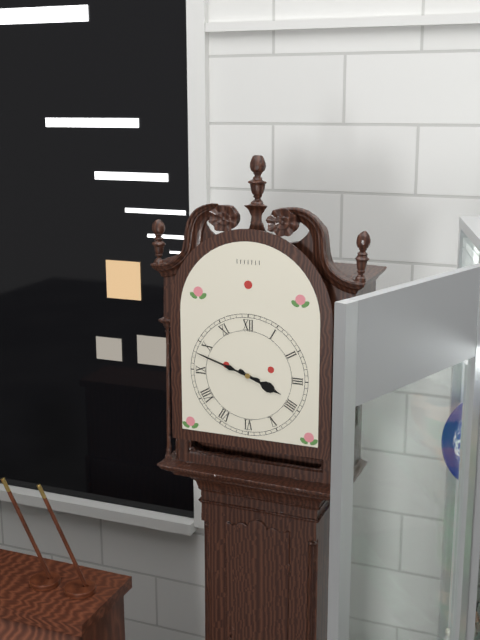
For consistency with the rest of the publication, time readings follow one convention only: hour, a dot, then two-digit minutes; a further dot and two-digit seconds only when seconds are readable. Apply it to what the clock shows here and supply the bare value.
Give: 3.48
